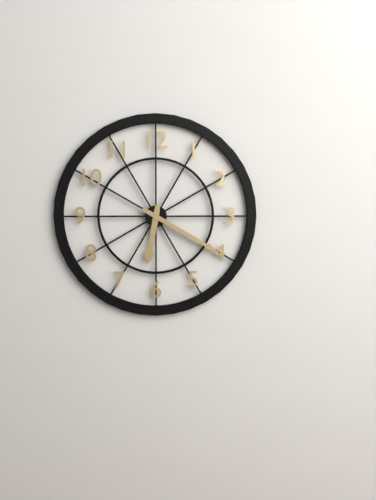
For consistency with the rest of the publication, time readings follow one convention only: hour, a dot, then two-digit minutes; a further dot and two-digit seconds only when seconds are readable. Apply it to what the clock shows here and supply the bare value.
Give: 6.20
